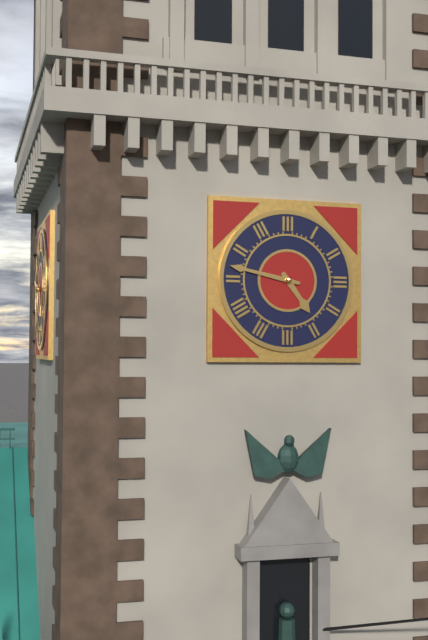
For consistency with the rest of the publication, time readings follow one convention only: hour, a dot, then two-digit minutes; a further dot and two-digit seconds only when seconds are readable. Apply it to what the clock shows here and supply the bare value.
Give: 4.47
